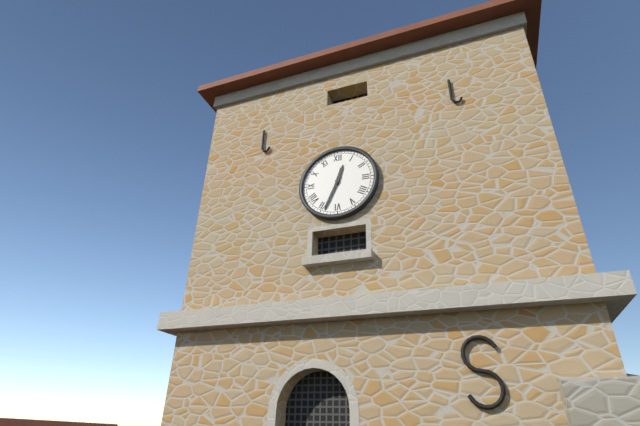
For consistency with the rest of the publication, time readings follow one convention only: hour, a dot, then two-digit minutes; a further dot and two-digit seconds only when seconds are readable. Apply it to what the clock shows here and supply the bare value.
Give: 12.34
